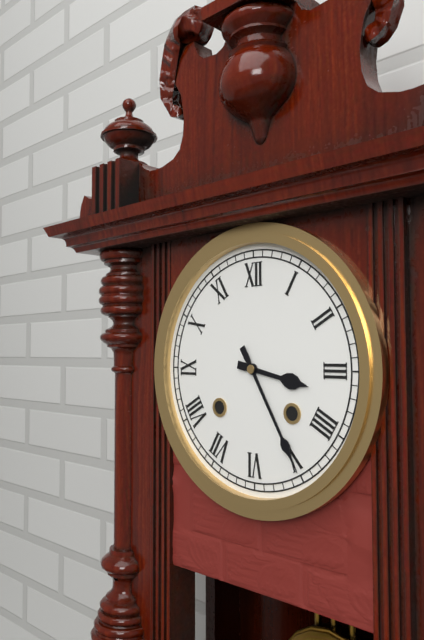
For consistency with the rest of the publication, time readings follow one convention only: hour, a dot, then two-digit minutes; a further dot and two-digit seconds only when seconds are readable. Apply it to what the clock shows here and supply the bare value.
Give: 3.25
